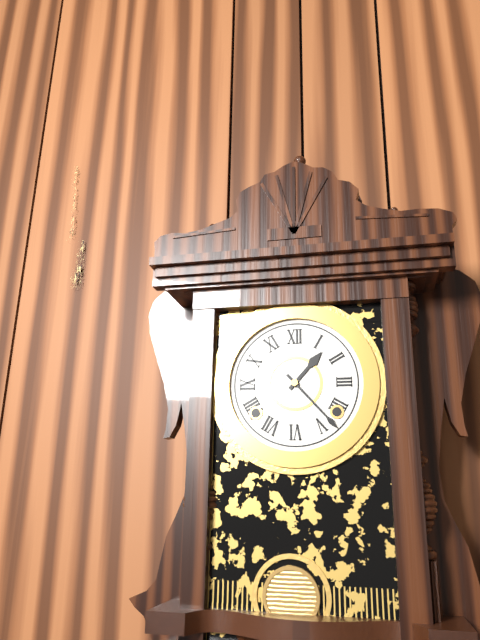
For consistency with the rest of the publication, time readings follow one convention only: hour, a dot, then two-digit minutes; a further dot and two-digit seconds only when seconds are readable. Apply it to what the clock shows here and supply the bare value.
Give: 1.23
